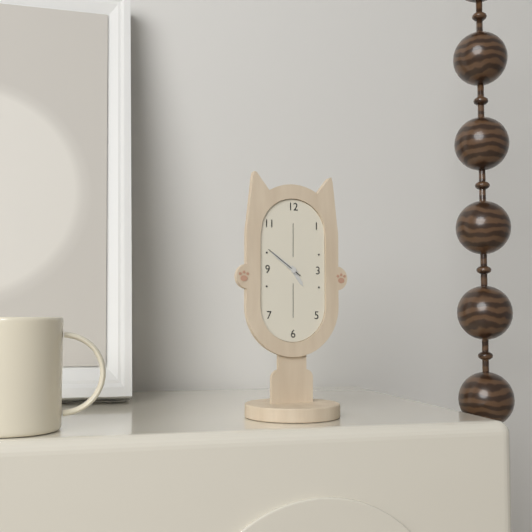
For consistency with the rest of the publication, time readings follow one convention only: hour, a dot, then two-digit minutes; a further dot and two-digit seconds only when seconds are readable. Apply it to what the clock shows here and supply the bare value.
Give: 4.51
